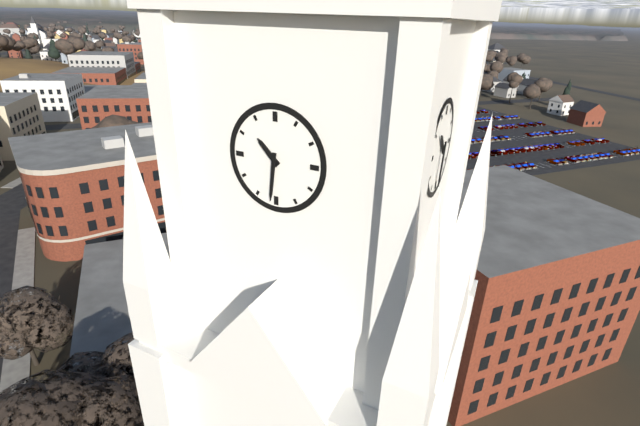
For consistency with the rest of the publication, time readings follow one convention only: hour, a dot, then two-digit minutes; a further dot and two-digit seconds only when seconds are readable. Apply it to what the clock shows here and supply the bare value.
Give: 10.31
